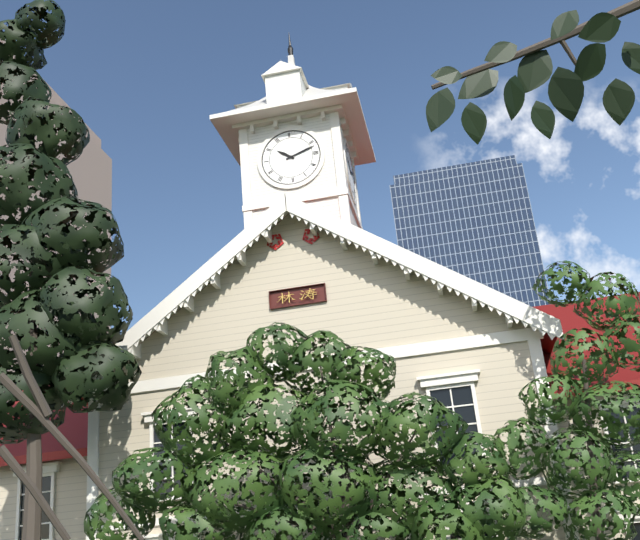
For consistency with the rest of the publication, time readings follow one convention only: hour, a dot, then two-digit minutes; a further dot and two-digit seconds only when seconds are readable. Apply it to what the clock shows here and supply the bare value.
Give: 10.12
